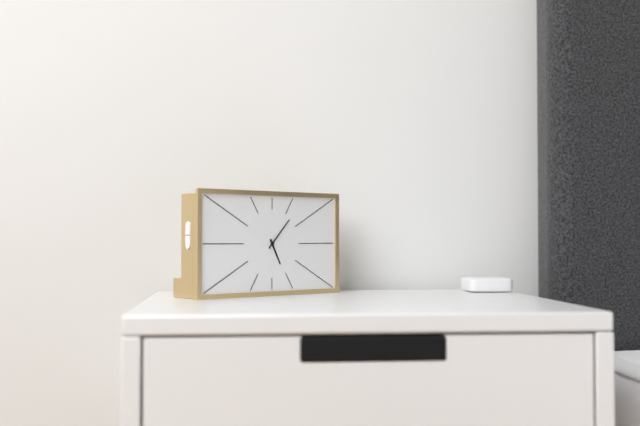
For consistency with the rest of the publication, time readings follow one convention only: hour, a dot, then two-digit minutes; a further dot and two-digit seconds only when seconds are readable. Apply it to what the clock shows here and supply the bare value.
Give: 5.07
